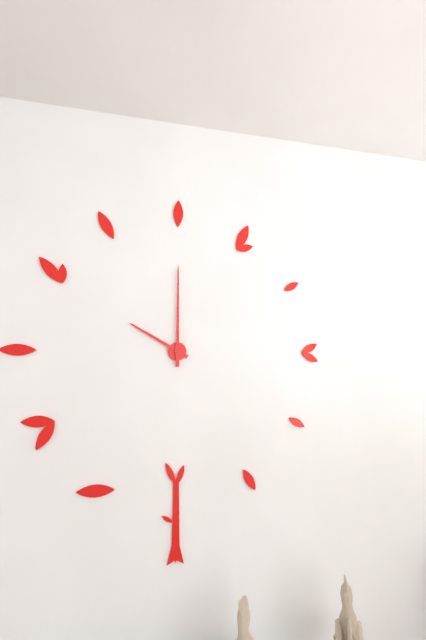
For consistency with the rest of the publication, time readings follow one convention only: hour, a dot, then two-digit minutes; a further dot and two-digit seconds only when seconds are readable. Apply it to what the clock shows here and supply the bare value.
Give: 10.00
